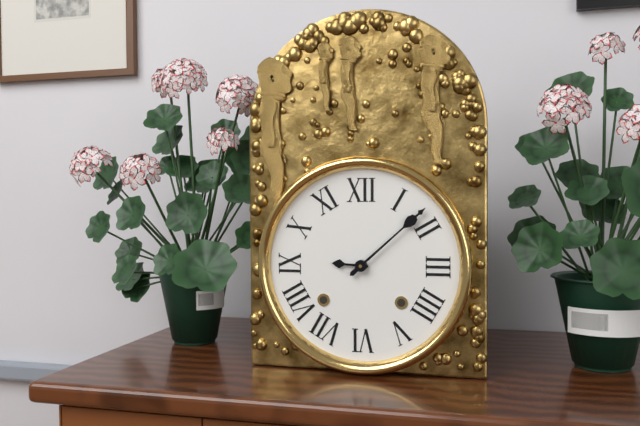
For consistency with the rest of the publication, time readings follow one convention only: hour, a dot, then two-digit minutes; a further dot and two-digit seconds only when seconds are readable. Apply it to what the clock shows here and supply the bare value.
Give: 9.08
